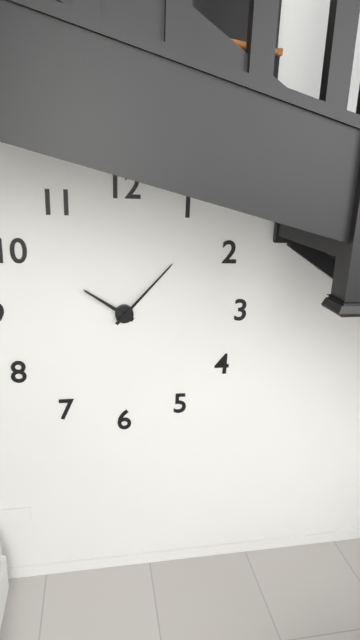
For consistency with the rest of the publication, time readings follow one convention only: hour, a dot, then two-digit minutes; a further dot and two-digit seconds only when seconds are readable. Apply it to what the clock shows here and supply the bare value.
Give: 10.07
